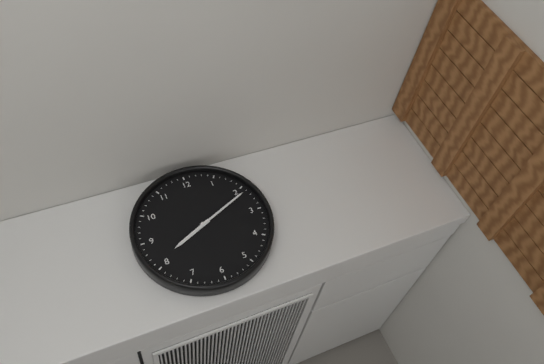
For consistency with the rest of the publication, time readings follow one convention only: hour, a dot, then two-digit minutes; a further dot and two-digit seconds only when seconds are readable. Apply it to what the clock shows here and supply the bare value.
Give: 8.11
